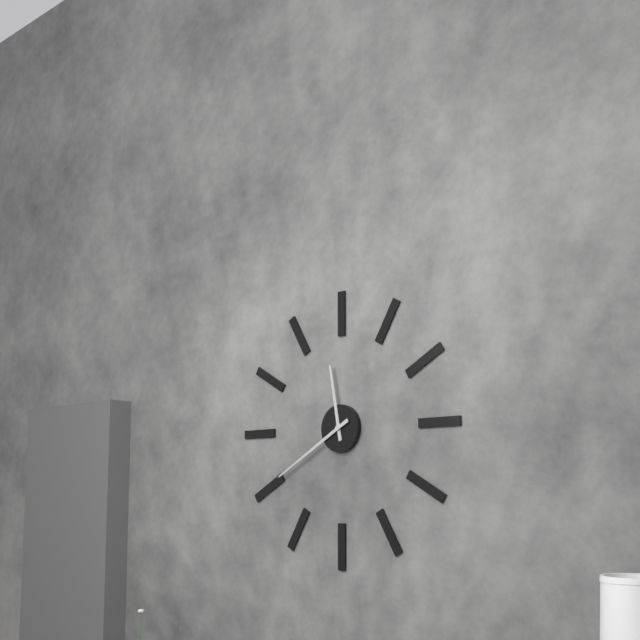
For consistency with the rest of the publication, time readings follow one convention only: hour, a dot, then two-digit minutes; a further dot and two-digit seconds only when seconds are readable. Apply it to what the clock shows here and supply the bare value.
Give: 11.40
